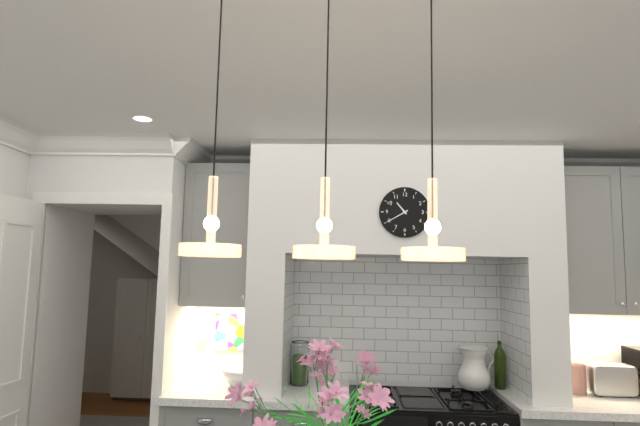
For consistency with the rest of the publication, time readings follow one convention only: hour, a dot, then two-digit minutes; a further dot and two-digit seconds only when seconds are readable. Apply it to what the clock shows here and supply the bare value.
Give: 10.40
